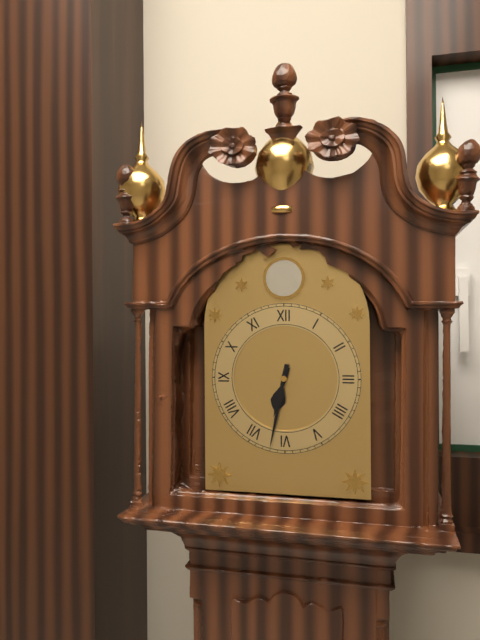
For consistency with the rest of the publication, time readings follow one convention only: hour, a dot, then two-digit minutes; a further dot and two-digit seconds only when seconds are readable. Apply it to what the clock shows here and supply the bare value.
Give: 6.32
